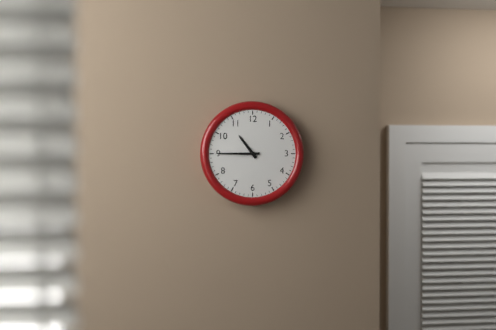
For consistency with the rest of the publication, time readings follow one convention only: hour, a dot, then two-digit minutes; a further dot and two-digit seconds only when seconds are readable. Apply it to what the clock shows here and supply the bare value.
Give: 10.45
